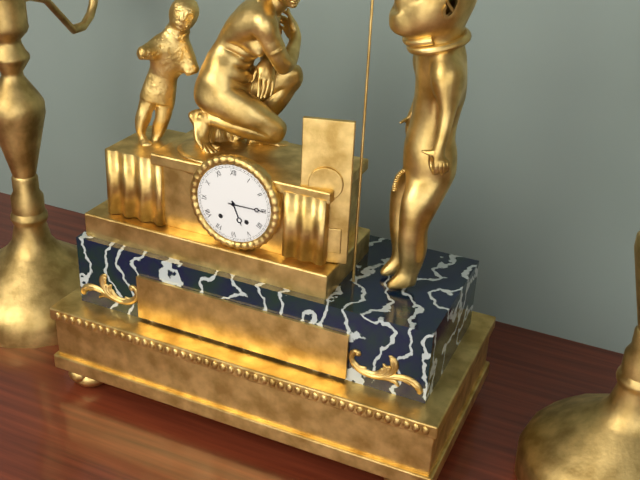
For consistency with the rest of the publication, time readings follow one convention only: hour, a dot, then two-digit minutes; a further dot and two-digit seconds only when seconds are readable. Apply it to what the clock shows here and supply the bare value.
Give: 5.15
